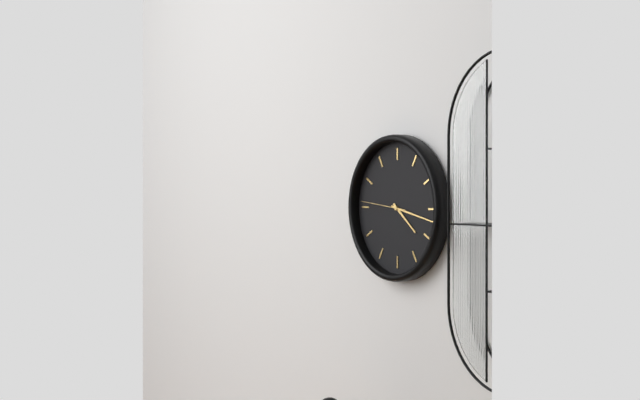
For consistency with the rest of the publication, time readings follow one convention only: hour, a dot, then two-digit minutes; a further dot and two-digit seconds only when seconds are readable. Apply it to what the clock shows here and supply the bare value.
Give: 4.17.46
